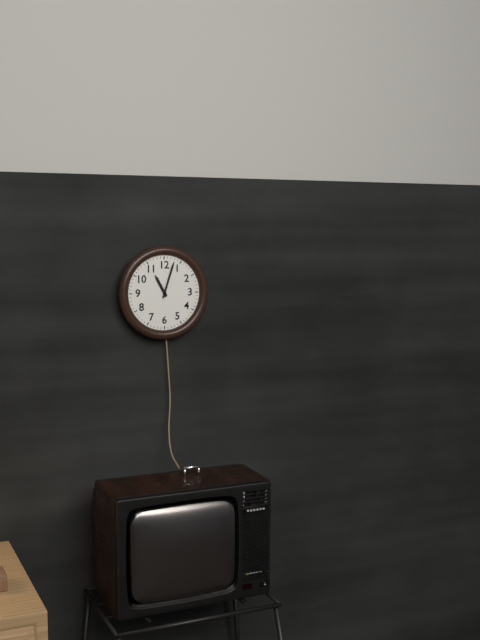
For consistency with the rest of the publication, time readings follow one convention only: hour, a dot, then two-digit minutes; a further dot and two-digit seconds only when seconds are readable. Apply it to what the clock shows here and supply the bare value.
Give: 11.03
